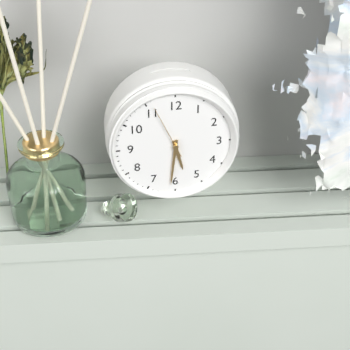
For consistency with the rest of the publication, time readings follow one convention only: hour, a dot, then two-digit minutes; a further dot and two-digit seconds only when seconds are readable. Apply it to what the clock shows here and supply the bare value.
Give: 5.31.56
